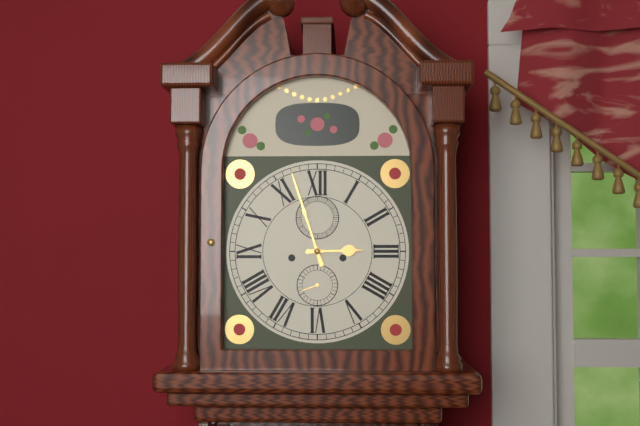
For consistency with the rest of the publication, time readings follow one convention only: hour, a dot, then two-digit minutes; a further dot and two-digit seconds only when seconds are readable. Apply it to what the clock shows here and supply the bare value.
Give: 2.57
